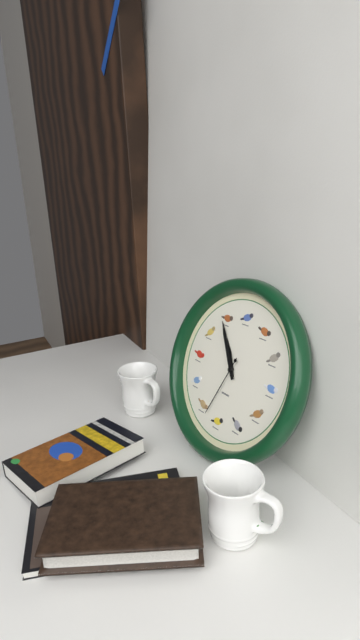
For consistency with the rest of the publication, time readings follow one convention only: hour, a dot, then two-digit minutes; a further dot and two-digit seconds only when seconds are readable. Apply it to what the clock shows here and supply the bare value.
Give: 10.54.33
